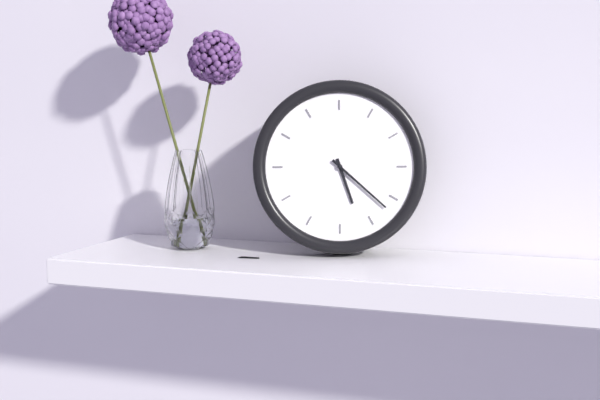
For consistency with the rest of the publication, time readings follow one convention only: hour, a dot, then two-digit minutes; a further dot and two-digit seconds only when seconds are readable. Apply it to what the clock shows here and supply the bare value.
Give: 5.22
